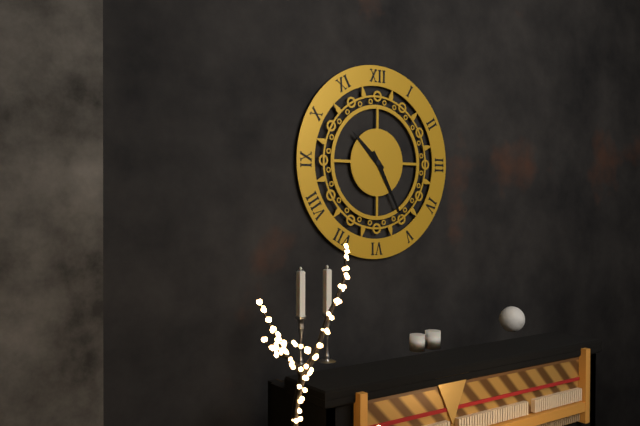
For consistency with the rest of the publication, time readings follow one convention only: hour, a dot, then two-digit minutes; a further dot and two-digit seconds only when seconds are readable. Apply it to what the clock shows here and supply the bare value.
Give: 10.25
